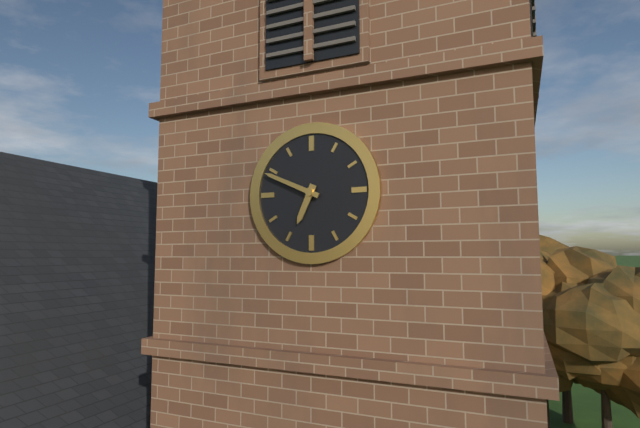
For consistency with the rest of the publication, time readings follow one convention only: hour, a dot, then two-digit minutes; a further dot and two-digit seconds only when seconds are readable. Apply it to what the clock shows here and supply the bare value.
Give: 6.49
